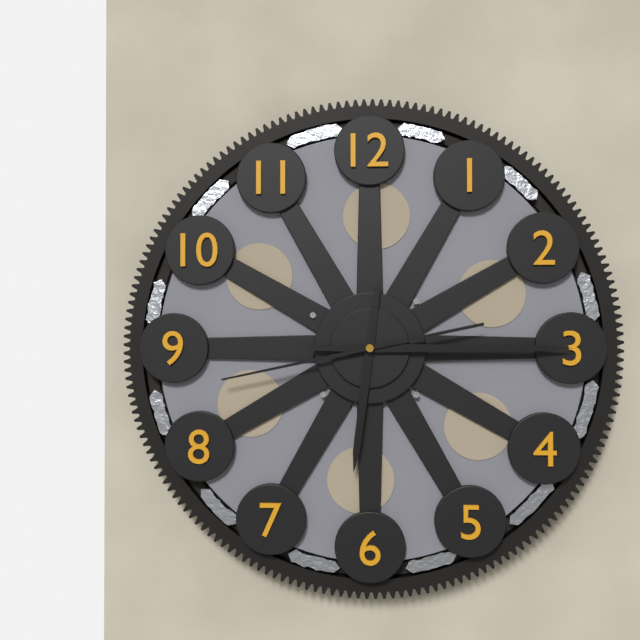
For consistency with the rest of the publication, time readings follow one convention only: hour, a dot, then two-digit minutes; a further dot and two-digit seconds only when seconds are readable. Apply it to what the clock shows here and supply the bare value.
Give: 6.15.43
